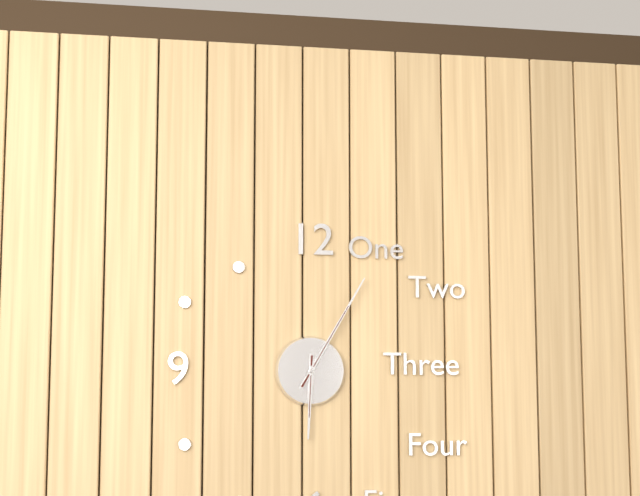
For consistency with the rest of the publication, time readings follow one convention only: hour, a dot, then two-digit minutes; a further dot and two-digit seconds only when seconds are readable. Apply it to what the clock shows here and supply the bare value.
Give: 6.05
